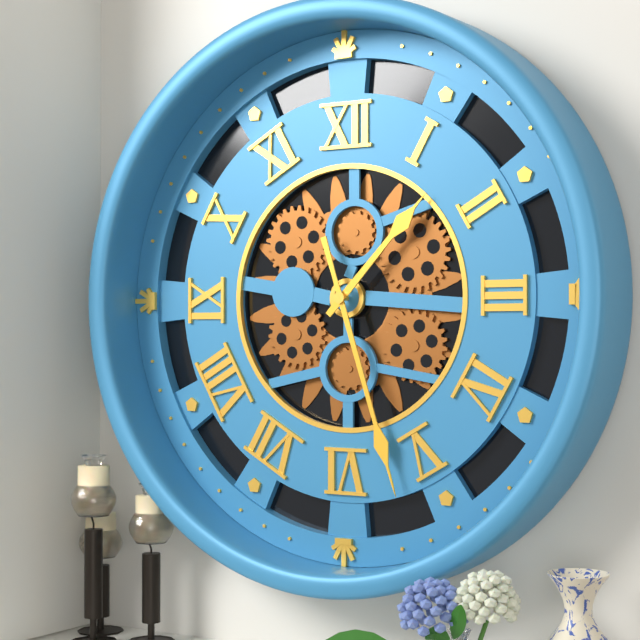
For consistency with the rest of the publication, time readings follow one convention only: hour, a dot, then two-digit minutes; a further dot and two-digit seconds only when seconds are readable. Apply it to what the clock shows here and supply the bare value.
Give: 1.27
